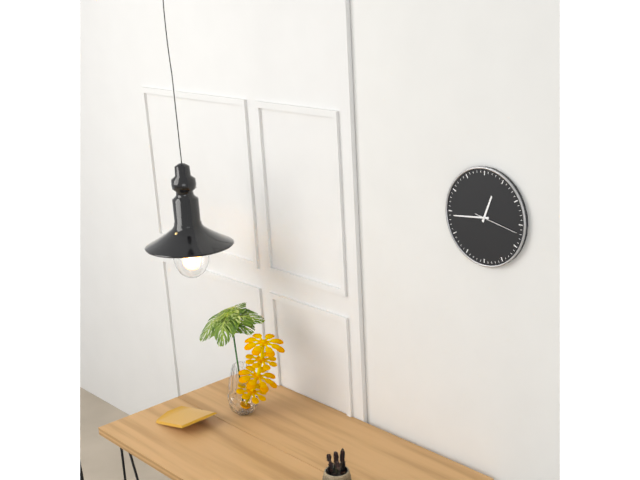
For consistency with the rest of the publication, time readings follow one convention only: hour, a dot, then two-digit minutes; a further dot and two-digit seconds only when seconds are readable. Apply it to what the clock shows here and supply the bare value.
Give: 12.44
